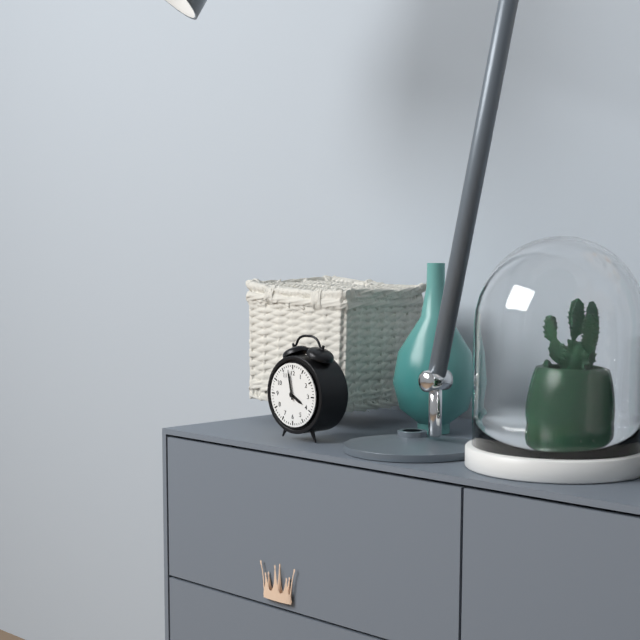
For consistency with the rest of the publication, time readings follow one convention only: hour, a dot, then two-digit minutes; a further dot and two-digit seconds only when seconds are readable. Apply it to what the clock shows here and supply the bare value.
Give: 3.58
